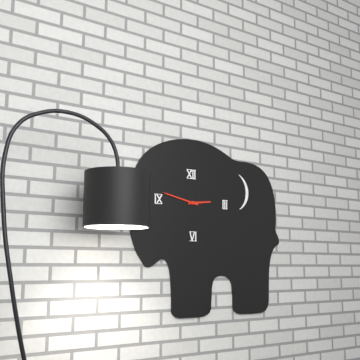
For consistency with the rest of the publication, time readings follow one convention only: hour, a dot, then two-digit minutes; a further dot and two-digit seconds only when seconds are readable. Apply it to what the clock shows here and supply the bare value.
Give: 2.47
